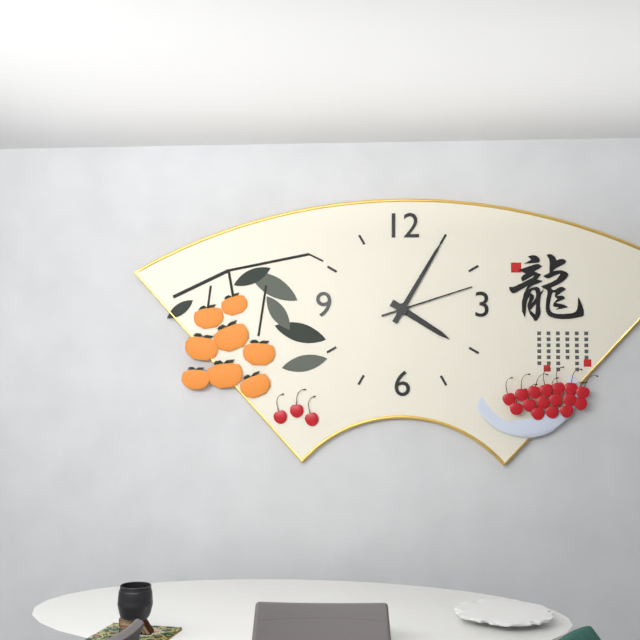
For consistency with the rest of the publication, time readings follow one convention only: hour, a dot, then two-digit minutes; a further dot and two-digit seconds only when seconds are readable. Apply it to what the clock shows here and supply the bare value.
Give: 4.05.12
